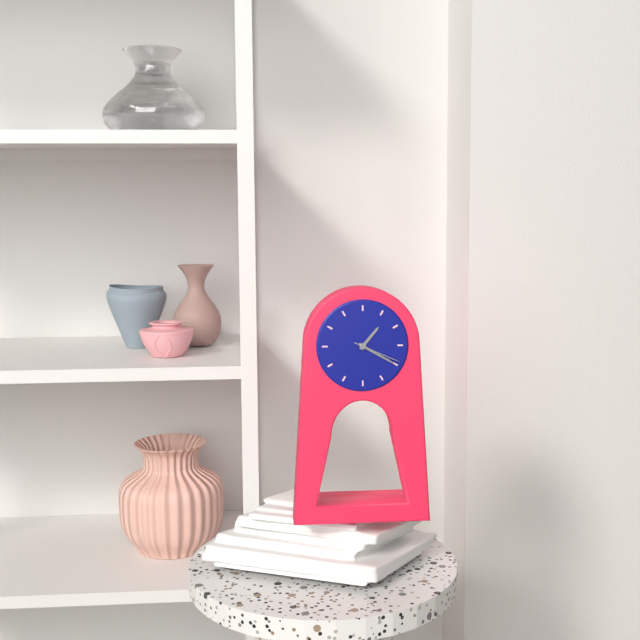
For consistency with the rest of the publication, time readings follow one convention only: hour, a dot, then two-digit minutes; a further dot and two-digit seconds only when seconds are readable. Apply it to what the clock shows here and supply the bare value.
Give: 1.20.19
